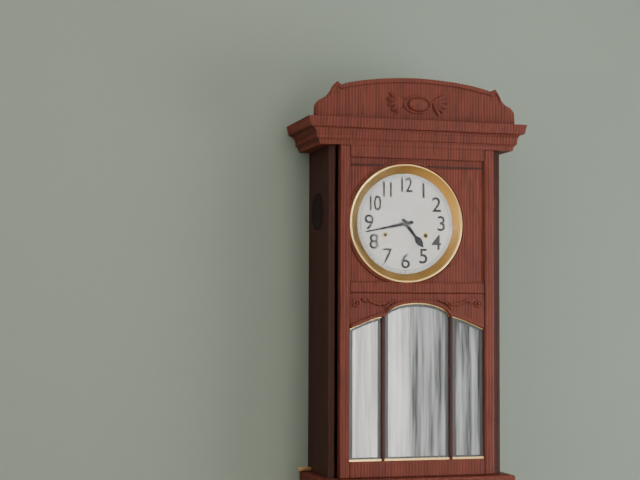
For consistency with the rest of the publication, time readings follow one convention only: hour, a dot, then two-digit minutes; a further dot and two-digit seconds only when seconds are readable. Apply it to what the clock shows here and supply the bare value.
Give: 4.43
